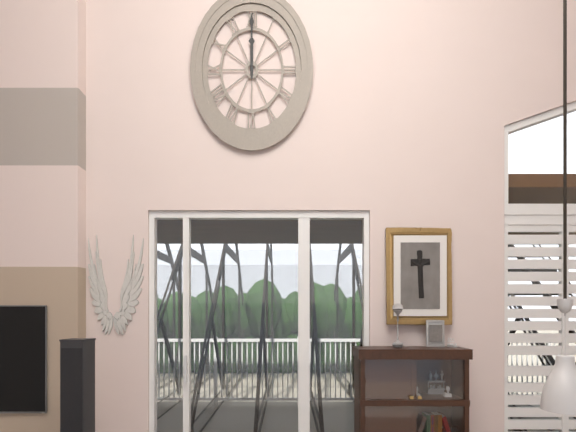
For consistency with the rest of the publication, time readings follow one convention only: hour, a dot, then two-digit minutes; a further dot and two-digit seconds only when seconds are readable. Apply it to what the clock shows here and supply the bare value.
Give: 12.00
